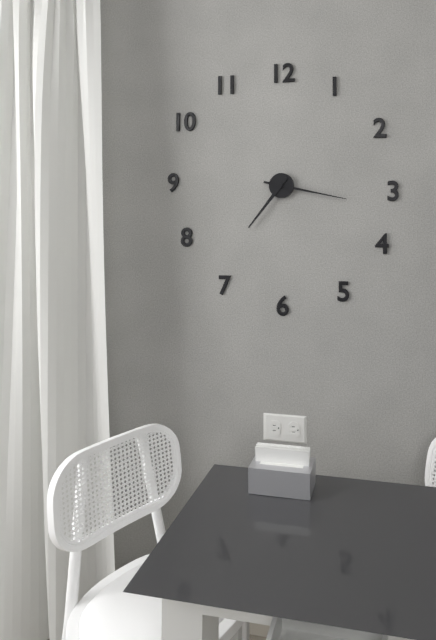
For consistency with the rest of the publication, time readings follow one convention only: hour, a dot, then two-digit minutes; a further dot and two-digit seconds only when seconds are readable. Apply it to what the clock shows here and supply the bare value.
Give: 7.17
